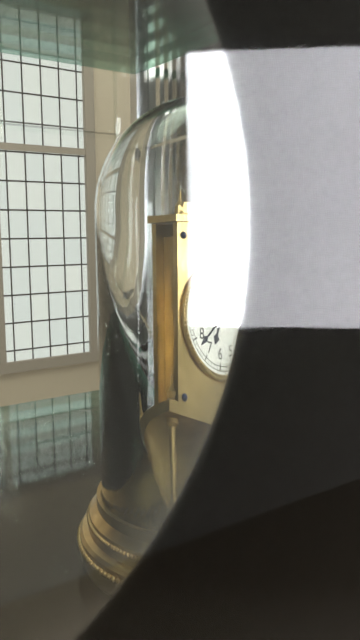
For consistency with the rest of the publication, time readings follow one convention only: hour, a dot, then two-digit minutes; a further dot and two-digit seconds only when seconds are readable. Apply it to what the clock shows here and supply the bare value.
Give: 6.38
